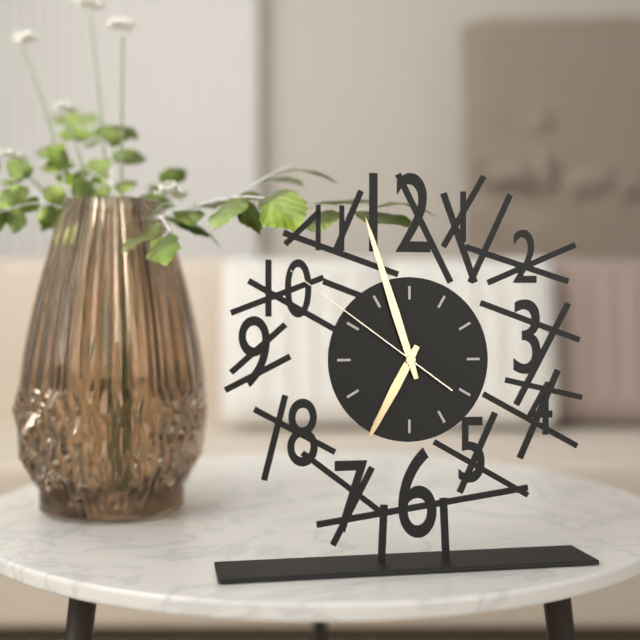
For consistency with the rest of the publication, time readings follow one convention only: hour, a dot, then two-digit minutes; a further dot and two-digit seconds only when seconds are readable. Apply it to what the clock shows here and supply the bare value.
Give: 6.57.51
